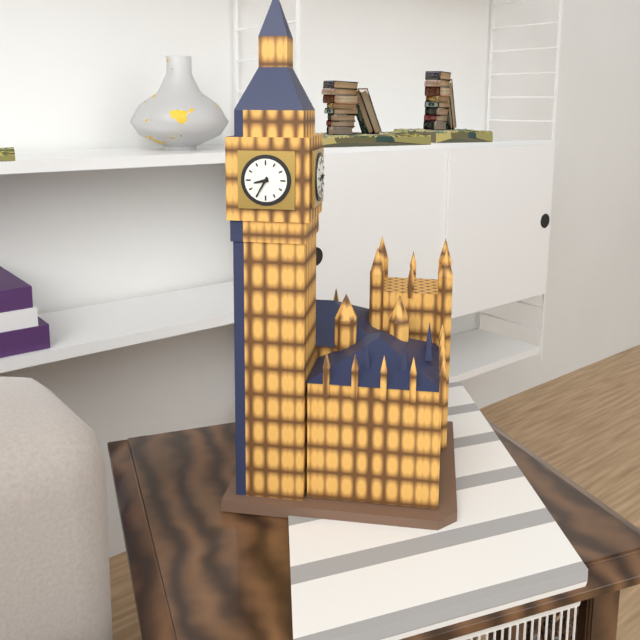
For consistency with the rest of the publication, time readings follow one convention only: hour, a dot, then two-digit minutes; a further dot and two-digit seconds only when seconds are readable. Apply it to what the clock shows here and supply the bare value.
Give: 8.35
